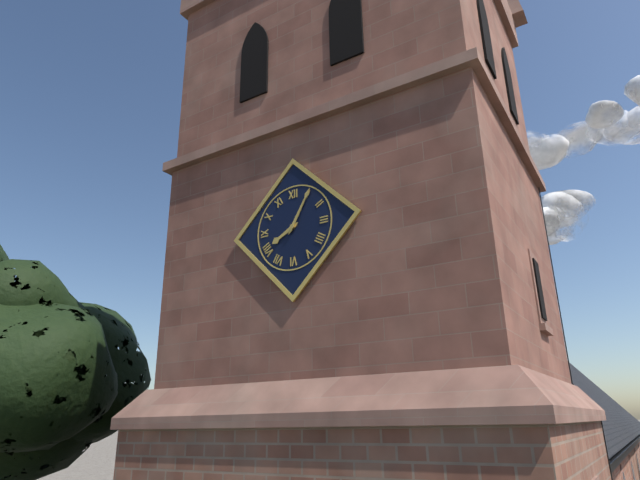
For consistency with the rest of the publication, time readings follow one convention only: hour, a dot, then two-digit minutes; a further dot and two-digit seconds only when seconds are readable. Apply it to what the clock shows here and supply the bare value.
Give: 8.05
